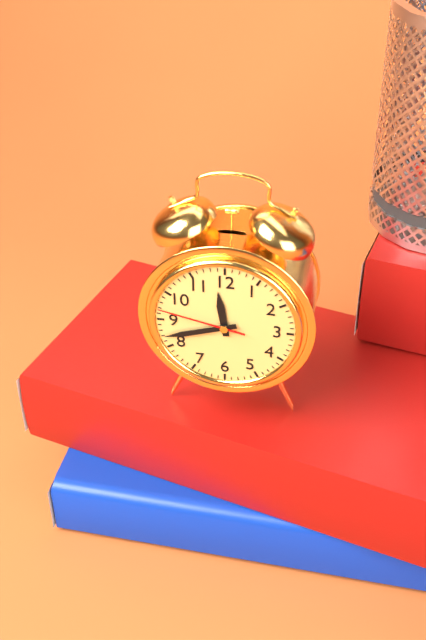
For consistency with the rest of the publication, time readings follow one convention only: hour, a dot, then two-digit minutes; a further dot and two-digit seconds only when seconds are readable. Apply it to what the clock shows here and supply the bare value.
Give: 11.42.47
